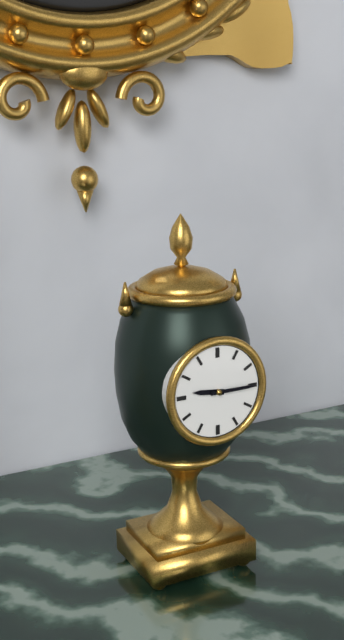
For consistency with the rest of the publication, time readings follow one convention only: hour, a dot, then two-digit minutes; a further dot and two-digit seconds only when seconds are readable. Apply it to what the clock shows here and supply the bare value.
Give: 9.15
